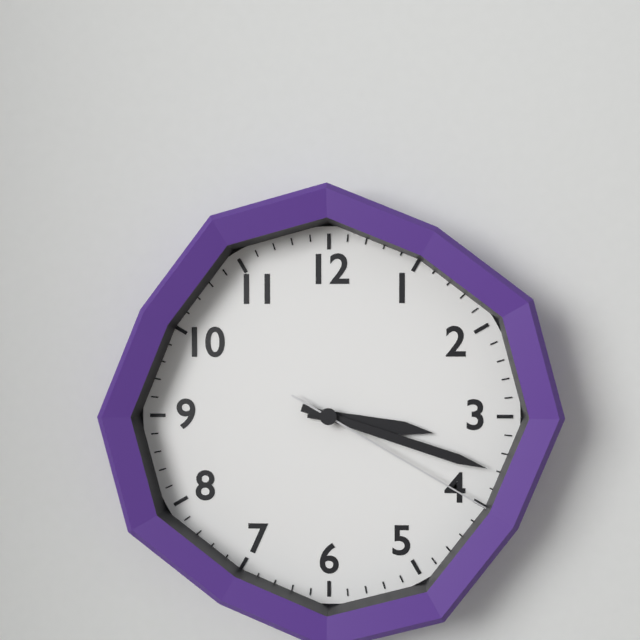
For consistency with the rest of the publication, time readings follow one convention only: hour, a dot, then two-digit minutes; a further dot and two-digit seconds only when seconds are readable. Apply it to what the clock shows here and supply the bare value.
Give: 3.18.20
